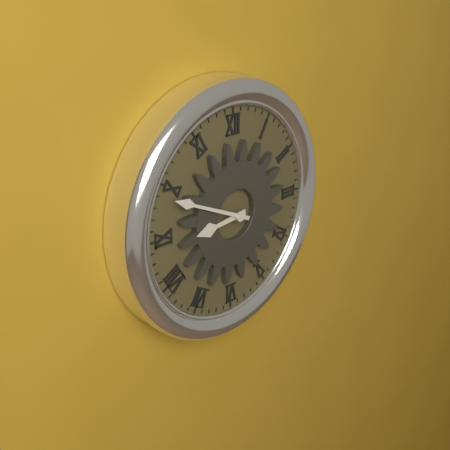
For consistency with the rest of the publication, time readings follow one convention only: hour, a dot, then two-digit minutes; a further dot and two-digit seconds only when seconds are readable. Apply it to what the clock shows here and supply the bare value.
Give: 8.49
